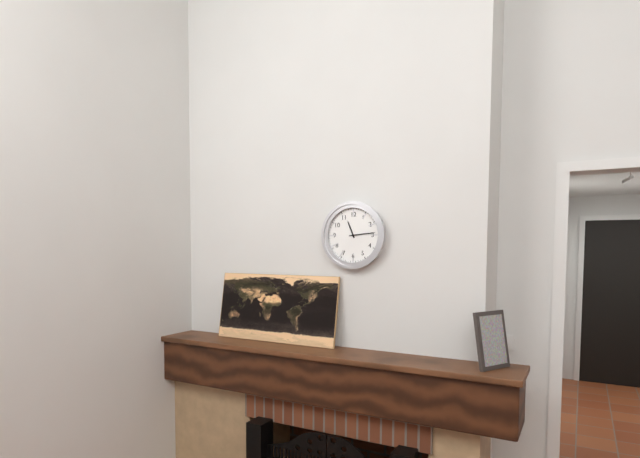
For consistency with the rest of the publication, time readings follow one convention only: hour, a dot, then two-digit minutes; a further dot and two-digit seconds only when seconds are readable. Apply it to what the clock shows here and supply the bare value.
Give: 11.14
